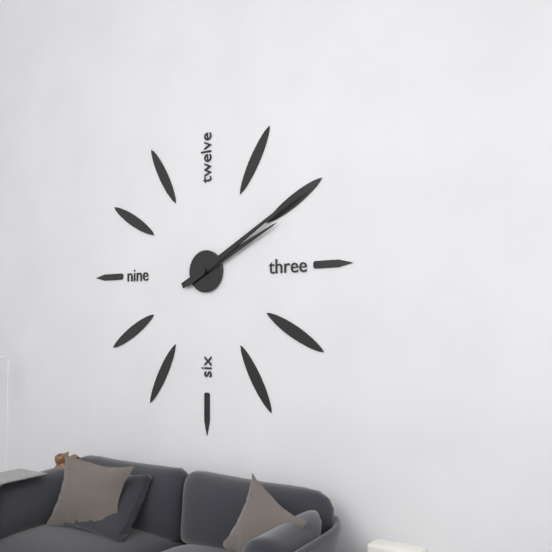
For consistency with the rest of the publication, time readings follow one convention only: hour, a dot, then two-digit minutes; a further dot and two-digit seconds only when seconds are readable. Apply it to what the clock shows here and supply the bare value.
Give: 2.10
